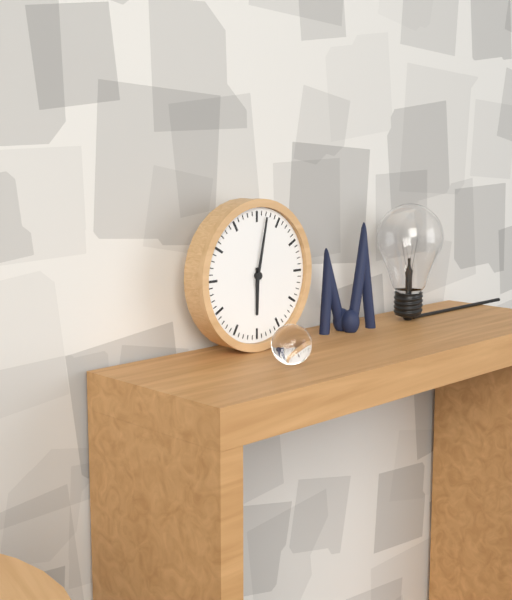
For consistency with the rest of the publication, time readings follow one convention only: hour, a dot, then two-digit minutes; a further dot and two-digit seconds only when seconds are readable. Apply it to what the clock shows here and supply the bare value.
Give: 6.02
